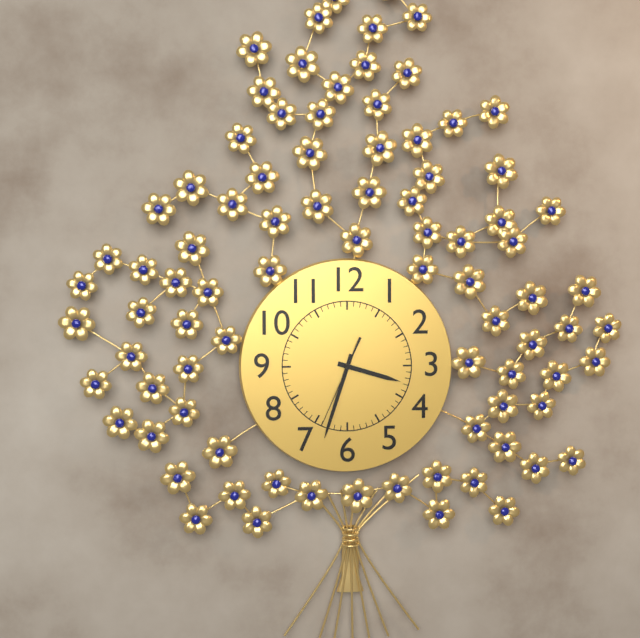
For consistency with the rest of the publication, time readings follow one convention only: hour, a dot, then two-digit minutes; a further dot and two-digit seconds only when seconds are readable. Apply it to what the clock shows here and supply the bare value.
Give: 3.33.34
